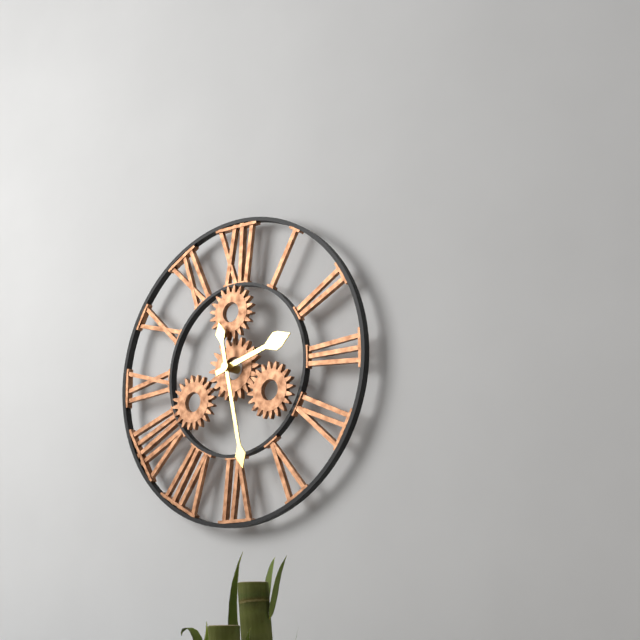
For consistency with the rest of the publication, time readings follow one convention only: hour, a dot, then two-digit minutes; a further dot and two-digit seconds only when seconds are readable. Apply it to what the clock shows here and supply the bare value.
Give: 2.28
